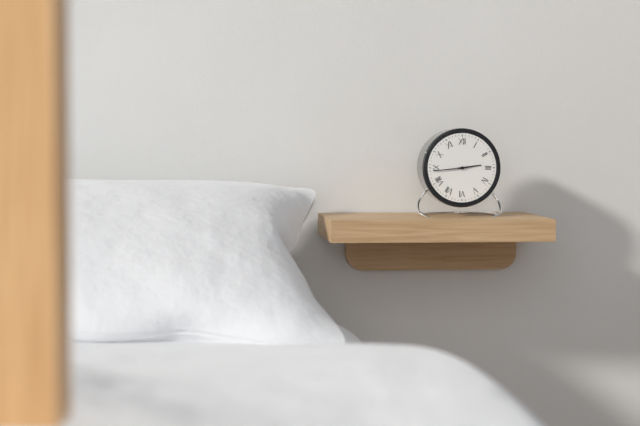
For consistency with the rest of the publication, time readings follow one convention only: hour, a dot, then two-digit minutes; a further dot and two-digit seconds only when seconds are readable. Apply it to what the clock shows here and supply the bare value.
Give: 2.44
